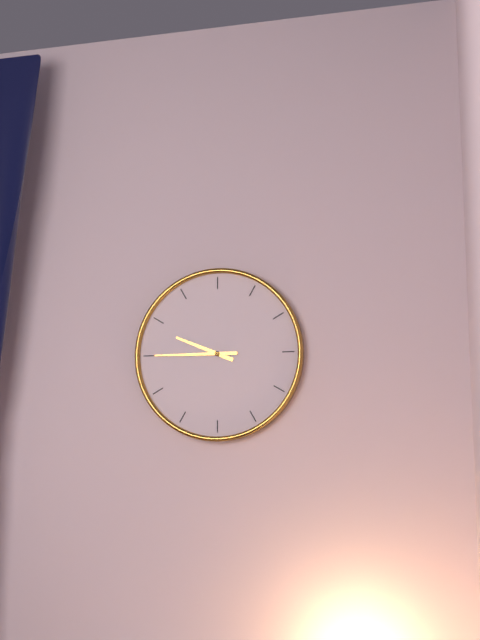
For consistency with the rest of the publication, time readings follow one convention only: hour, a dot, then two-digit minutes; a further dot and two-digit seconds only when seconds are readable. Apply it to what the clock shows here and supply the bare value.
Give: 9.45
